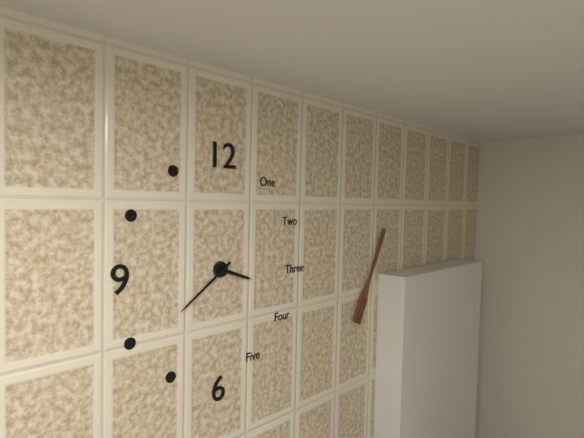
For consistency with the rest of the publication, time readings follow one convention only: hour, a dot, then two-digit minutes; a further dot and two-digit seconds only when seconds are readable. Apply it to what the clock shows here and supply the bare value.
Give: 3.39
